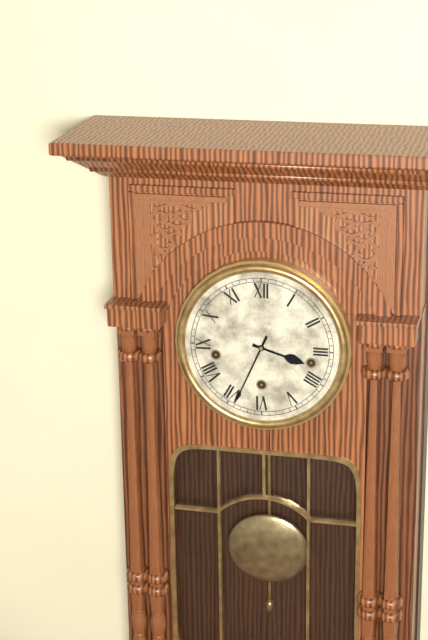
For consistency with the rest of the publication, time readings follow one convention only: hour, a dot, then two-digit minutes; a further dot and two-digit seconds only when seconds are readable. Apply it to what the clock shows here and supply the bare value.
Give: 3.34
